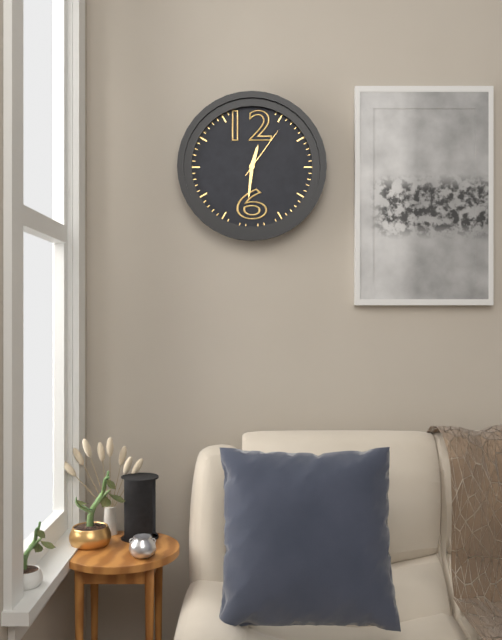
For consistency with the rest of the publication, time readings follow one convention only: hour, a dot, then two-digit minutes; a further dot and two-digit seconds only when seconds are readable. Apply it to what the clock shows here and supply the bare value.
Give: 12.31.06
